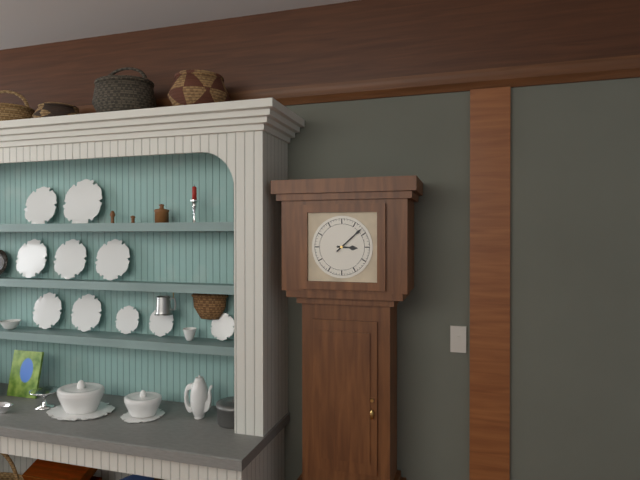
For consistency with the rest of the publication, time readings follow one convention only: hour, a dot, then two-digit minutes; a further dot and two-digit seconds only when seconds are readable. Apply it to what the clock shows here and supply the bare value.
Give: 3.08
